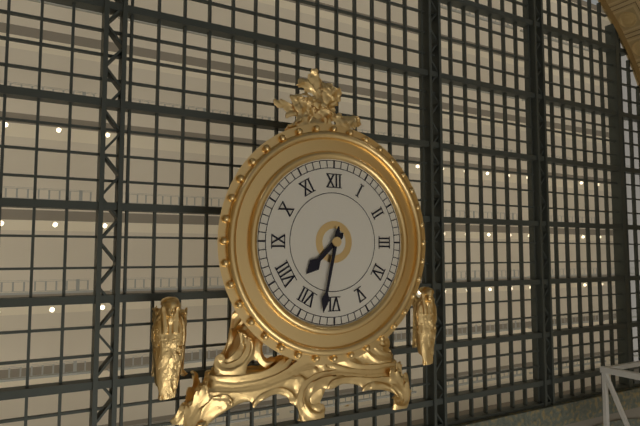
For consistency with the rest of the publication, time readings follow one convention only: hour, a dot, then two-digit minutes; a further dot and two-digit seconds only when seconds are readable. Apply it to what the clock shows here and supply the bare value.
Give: 7.32
